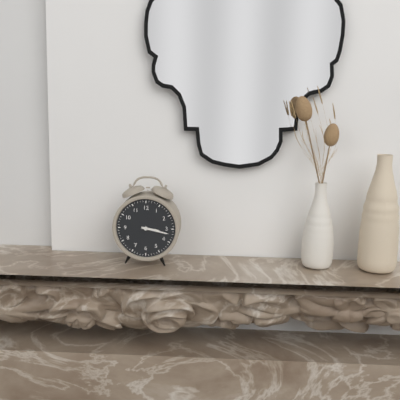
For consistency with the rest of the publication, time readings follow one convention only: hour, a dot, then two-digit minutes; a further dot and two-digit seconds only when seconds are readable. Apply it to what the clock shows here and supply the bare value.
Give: 3.17
